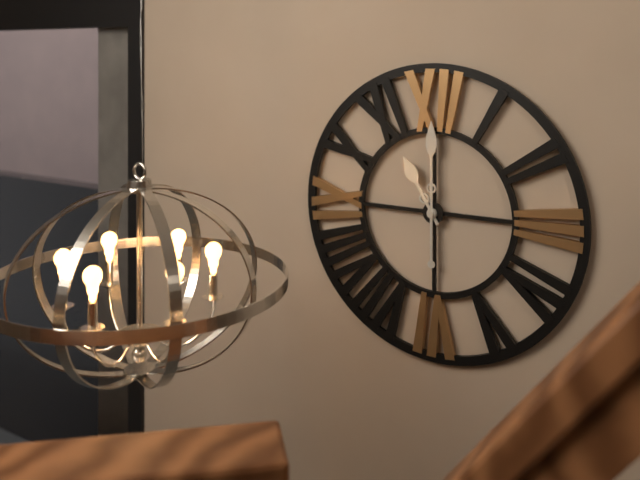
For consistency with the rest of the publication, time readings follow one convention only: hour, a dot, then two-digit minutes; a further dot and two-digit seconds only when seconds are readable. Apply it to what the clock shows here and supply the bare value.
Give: 11.00
